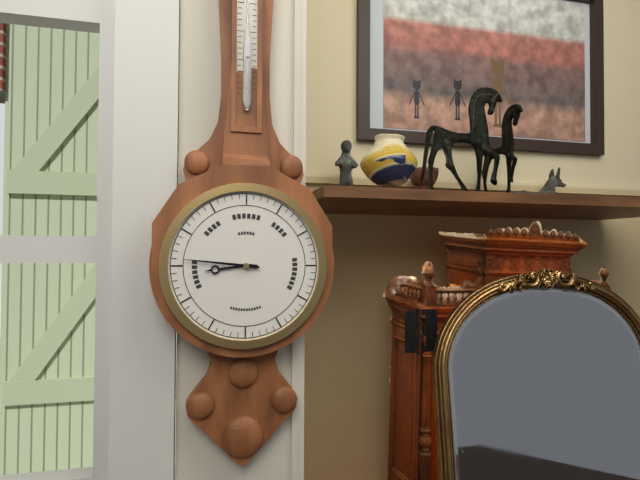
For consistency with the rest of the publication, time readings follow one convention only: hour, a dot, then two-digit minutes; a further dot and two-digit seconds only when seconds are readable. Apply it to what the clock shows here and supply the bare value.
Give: 8.46
